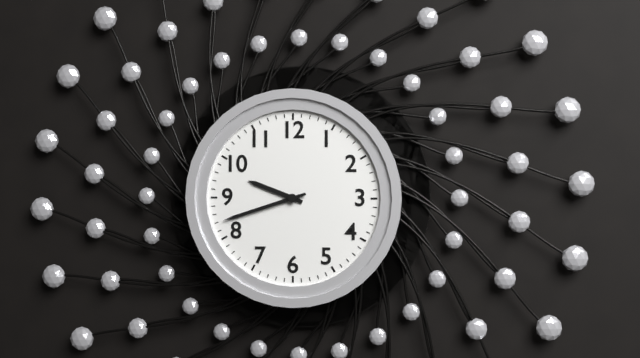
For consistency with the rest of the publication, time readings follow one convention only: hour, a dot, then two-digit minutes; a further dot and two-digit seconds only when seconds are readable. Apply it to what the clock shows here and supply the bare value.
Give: 9.42
